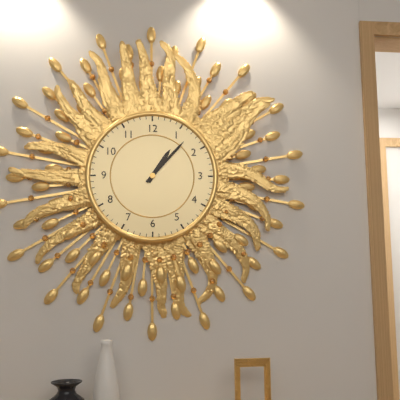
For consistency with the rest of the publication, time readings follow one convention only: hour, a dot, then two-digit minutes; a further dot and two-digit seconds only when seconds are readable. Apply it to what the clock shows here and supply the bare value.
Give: 1.07
